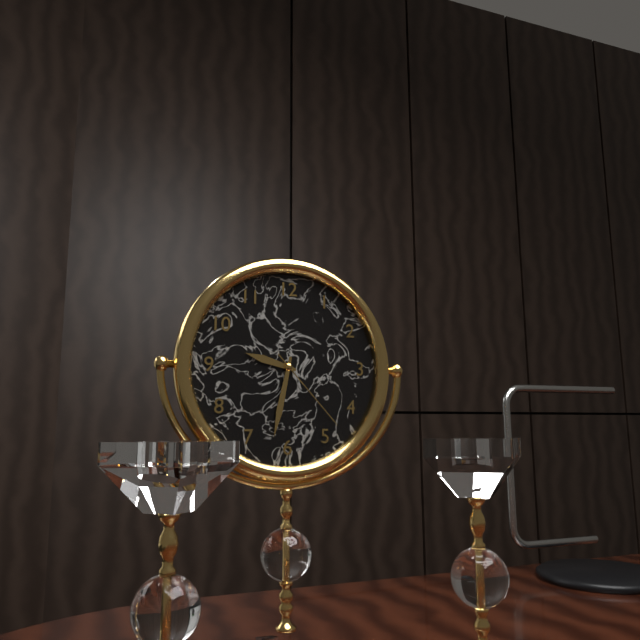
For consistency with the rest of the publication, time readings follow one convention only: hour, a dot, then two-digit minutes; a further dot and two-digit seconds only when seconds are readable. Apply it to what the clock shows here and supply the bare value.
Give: 9.32.23
